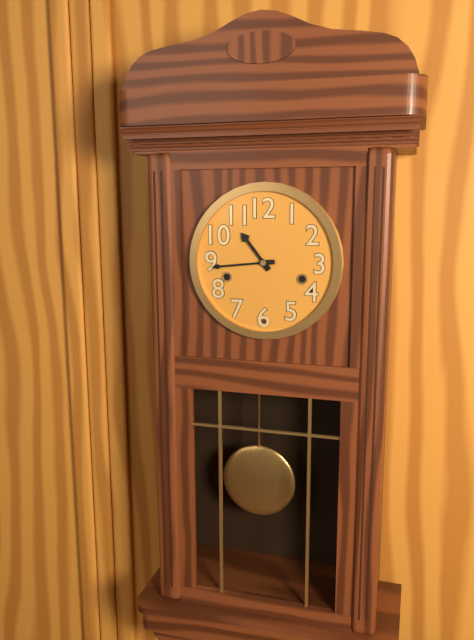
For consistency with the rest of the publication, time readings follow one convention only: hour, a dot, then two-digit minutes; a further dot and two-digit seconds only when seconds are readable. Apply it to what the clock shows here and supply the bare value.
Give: 10.44
